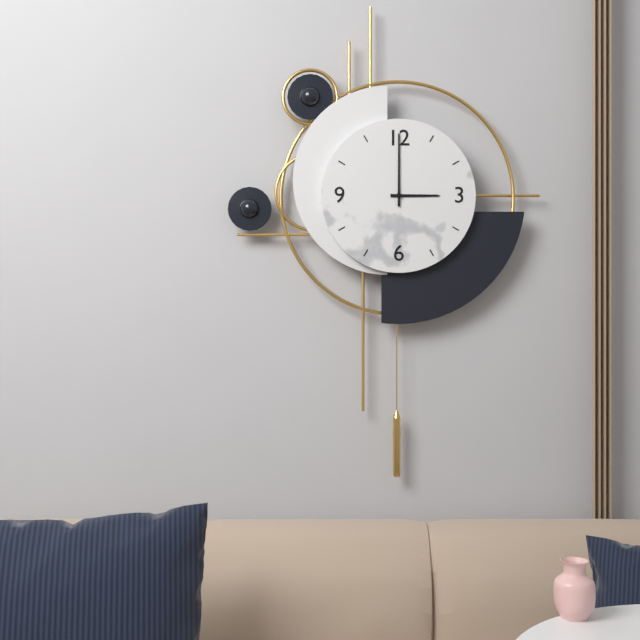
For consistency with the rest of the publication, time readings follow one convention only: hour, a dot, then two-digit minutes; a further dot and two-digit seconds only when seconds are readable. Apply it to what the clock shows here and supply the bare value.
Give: 3.00
